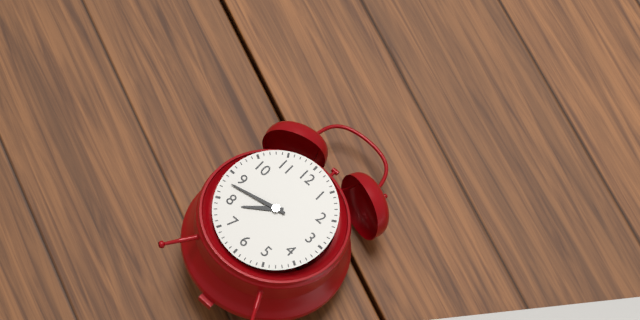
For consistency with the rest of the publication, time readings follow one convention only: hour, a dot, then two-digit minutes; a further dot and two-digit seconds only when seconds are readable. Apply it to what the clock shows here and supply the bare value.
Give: 7.43
